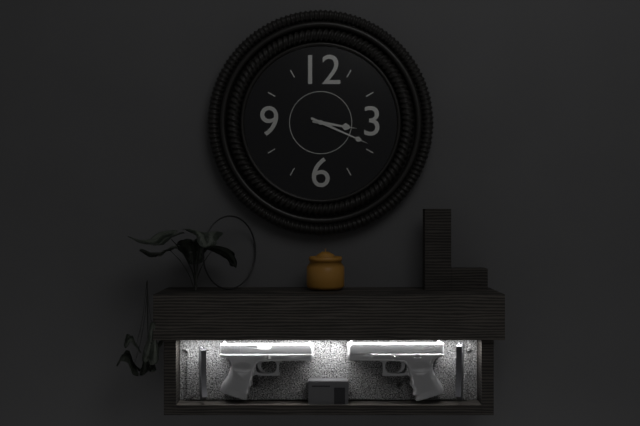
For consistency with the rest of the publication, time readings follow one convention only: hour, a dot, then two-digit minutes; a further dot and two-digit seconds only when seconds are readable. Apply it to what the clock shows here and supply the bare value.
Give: 3.19
